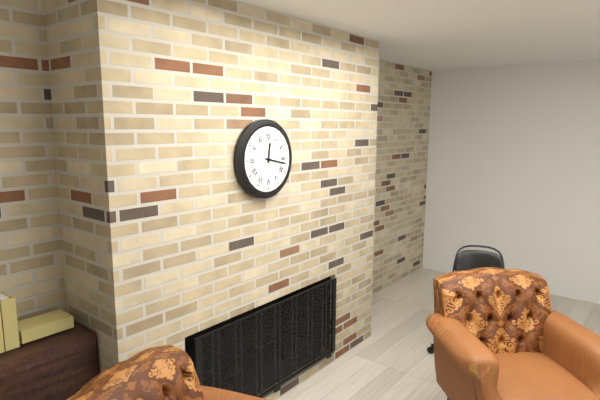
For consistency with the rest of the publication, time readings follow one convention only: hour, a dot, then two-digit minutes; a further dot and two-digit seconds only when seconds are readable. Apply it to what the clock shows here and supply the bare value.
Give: 12.17
